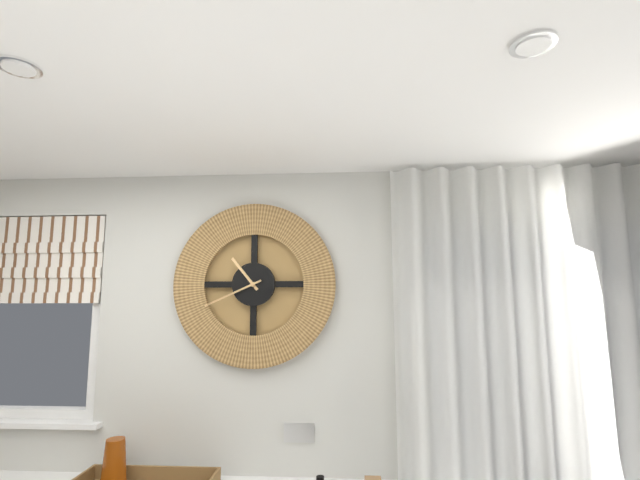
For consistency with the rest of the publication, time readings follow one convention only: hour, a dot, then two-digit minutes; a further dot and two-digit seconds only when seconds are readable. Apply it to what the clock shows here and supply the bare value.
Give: 10.41
